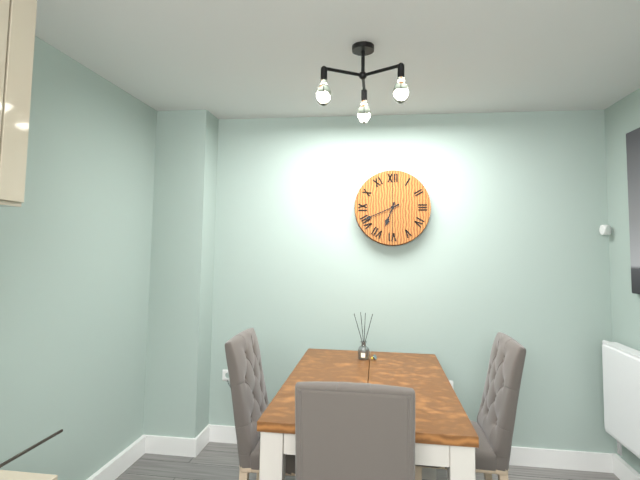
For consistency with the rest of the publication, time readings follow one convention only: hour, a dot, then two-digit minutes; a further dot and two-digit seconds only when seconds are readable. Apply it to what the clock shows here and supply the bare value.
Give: 6.41
